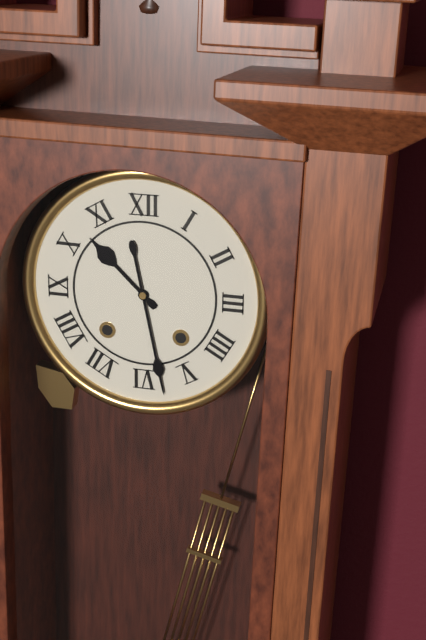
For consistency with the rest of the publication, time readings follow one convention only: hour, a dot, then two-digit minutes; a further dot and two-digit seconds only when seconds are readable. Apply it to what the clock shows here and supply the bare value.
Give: 10.28
